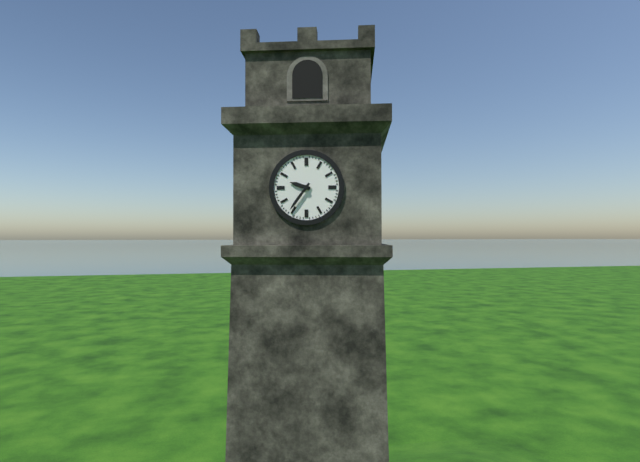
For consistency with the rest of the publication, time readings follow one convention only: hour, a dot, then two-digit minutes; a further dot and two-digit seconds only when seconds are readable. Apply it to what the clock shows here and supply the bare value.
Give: 9.36
